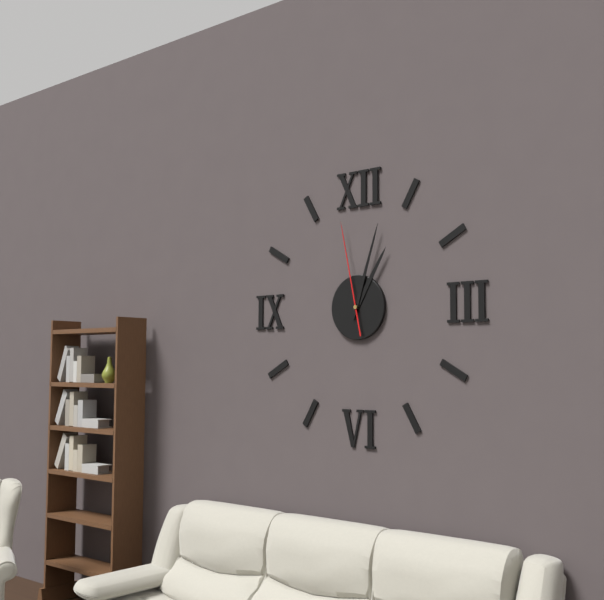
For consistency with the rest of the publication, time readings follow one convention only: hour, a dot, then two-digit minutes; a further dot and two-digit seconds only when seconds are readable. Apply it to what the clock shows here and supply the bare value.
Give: 1.03.58
